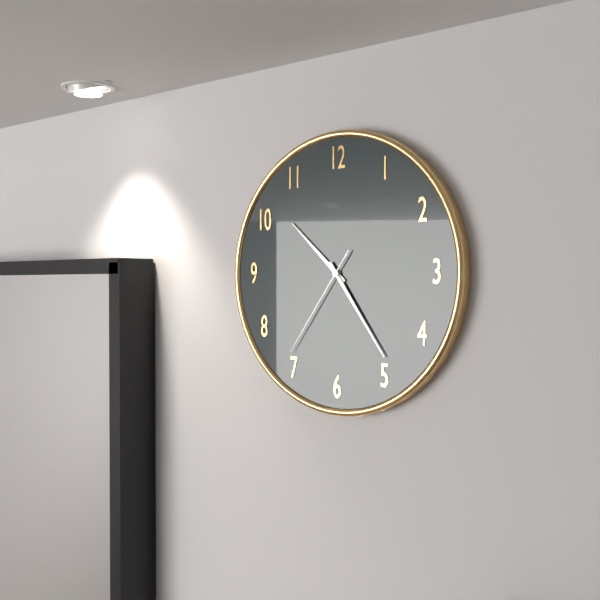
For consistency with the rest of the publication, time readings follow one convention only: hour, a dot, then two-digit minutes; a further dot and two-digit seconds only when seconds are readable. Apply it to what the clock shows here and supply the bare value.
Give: 10.24.36
